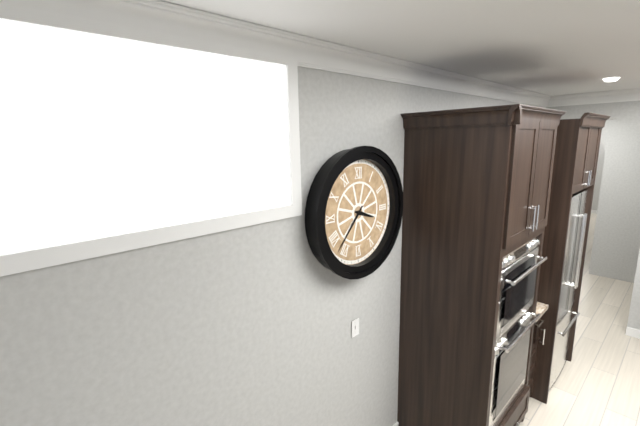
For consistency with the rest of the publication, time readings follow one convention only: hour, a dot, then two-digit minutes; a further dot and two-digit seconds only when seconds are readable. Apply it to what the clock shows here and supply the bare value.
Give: 3.37
